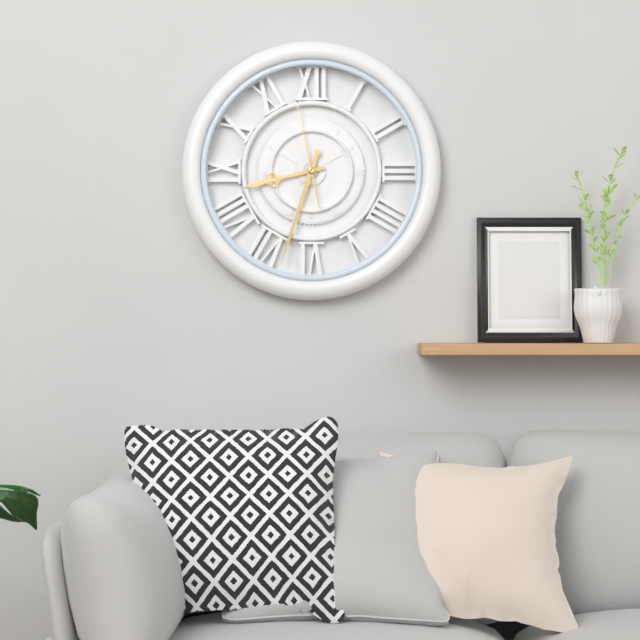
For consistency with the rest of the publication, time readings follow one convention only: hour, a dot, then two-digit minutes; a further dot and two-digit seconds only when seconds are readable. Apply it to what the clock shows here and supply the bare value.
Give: 8.33.58
